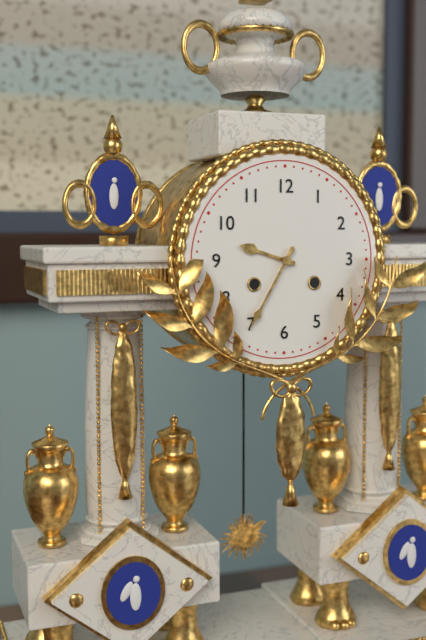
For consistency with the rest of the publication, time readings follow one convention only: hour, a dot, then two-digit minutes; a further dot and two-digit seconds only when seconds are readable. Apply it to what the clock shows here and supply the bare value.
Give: 9.35
